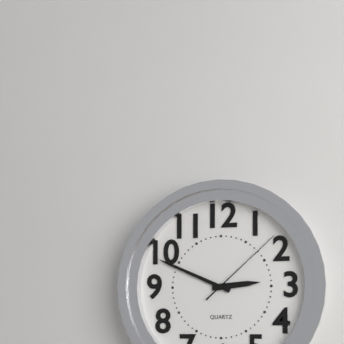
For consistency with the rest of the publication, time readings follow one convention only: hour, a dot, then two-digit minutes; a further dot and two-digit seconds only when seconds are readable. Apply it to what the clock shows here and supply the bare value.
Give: 2.49.08
